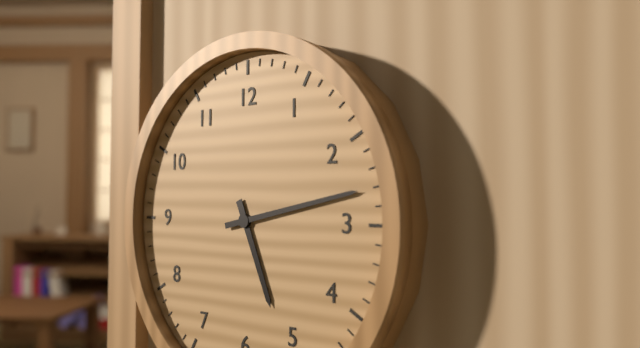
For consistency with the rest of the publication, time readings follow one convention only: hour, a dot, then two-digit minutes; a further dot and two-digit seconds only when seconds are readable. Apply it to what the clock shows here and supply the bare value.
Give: 5.13
